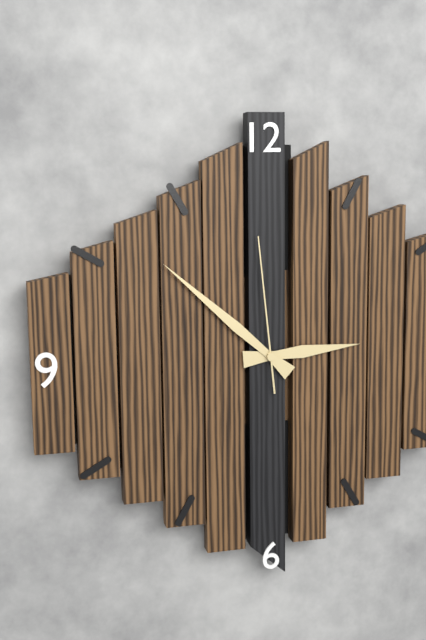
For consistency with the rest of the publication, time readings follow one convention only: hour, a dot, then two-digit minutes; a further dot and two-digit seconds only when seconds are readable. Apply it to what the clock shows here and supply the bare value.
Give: 2.52.59
